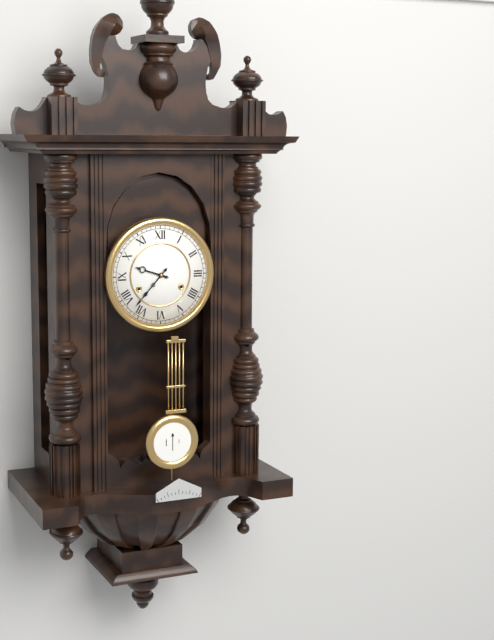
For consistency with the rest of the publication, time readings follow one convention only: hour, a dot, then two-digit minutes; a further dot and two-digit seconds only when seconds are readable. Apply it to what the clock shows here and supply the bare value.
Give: 9.37
